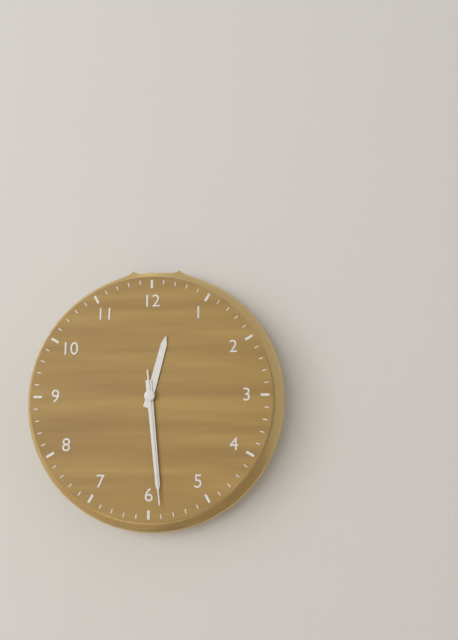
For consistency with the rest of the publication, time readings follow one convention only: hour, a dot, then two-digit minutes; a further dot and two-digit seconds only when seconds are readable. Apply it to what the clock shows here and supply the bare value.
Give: 12.29.29
